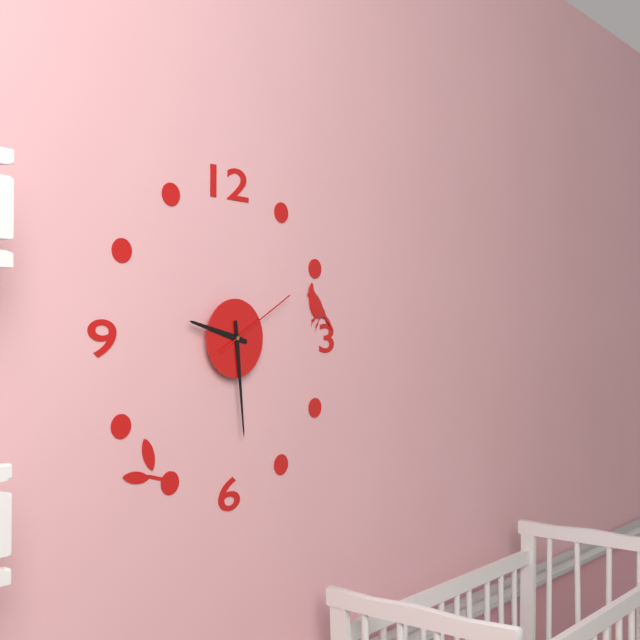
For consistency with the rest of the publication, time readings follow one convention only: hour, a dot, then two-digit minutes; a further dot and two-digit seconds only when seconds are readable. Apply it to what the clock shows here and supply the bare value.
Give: 9.29.10
